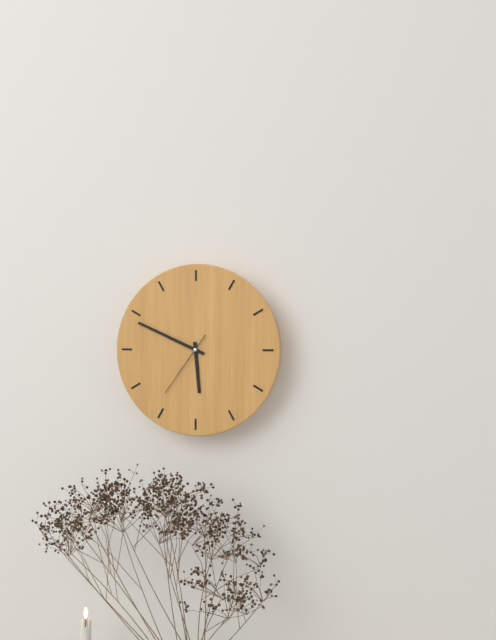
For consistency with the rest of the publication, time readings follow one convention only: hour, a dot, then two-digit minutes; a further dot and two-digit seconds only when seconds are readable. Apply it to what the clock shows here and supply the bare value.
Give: 5.49.36
